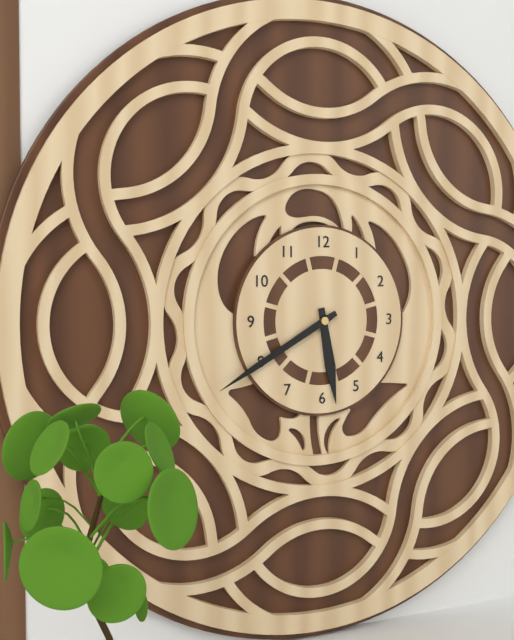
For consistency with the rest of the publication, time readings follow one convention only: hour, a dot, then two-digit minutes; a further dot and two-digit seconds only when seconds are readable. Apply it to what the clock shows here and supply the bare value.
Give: 5.40
